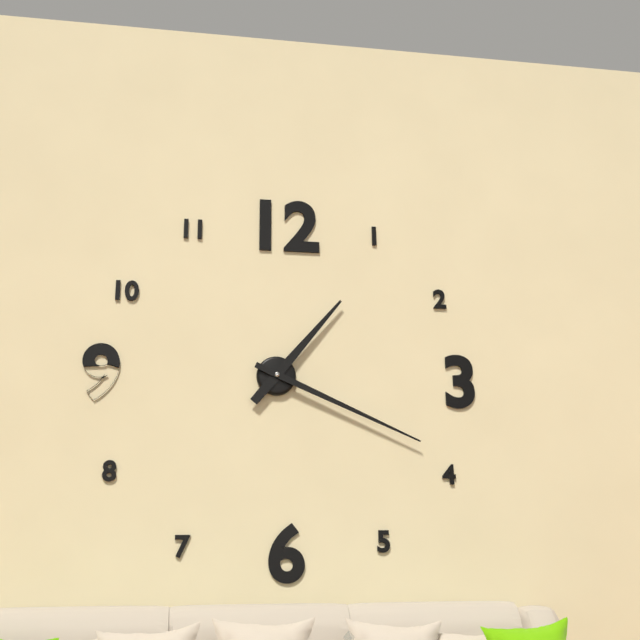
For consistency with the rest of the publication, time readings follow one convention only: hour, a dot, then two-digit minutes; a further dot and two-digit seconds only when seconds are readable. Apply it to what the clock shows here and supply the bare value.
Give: 1.19
